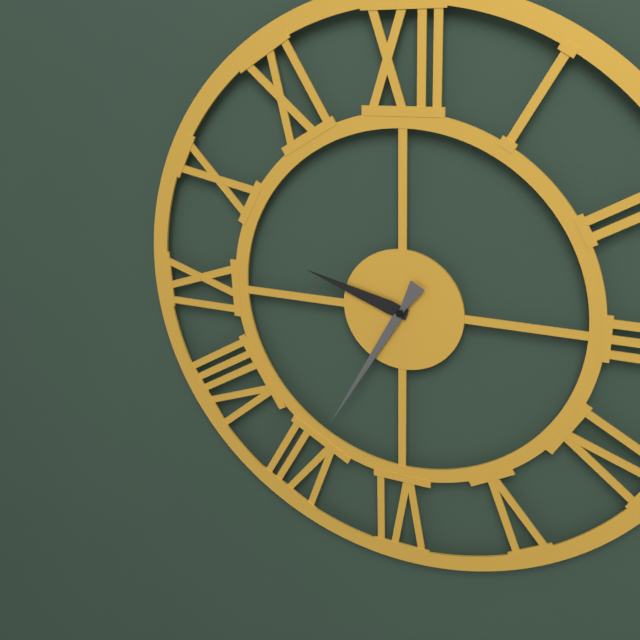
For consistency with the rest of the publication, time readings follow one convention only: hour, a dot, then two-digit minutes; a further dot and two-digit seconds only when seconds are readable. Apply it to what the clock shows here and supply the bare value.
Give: 9.35
